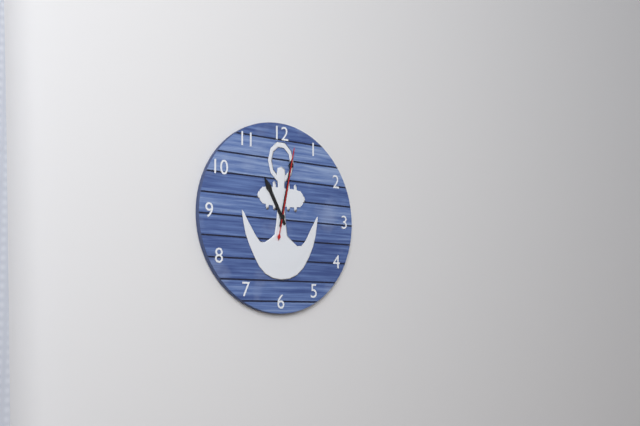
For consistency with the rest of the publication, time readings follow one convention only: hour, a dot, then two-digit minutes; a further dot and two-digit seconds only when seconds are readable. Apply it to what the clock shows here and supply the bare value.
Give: 11.02.02
